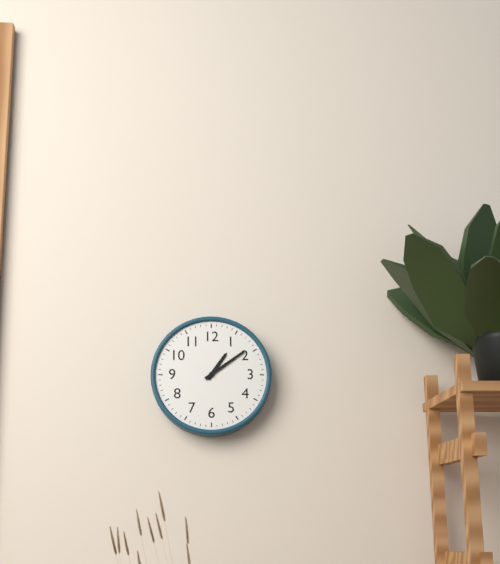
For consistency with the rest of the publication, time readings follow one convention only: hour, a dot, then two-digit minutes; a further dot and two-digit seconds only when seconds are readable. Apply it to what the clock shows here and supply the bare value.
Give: 1.09
